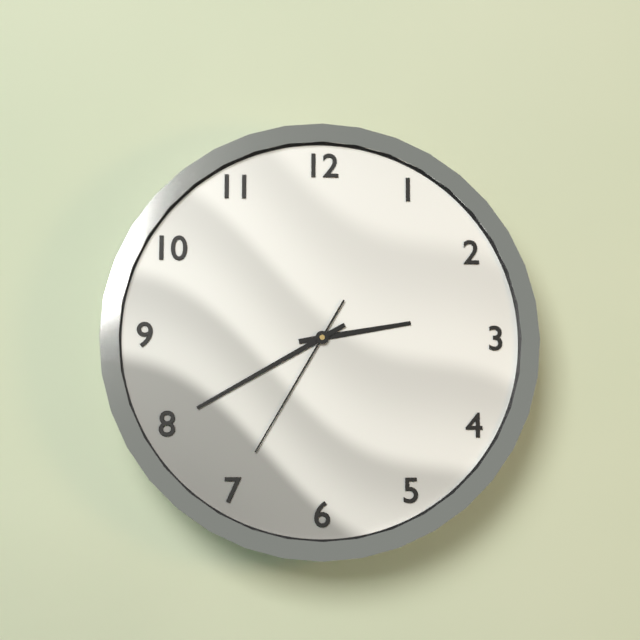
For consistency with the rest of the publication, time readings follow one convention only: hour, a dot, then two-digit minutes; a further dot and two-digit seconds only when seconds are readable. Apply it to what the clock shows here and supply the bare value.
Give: 2.40.35
